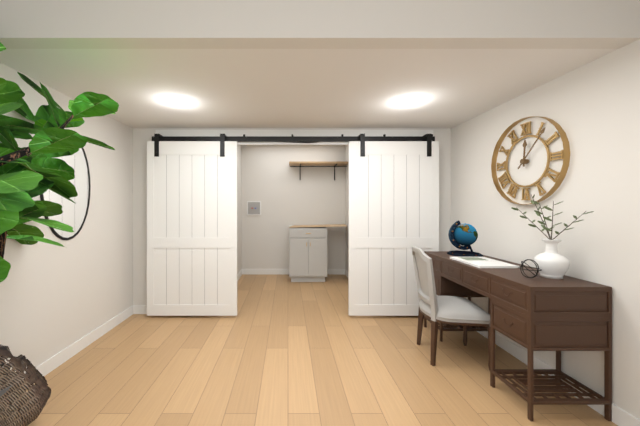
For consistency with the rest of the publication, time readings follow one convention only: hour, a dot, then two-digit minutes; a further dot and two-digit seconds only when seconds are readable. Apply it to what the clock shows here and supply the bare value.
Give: 12.07
